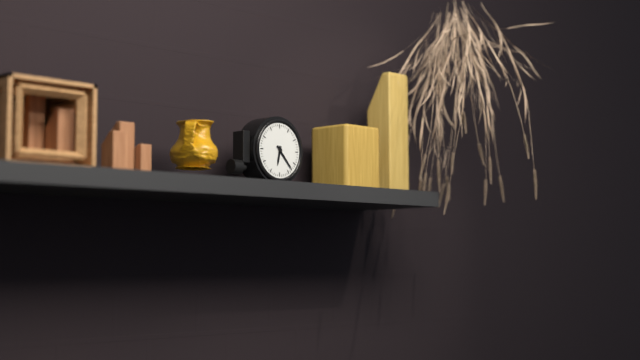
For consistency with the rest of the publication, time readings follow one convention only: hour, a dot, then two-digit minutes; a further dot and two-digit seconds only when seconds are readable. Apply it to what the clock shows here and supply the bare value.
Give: 6.23
